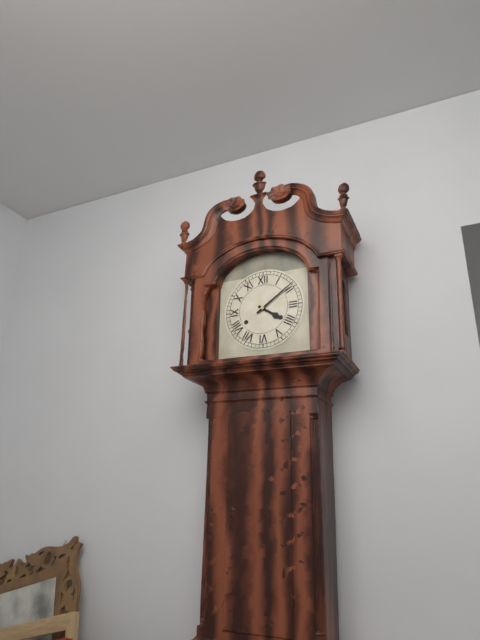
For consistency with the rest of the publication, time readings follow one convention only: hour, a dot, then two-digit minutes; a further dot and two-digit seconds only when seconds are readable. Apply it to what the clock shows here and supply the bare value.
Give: 4.09
